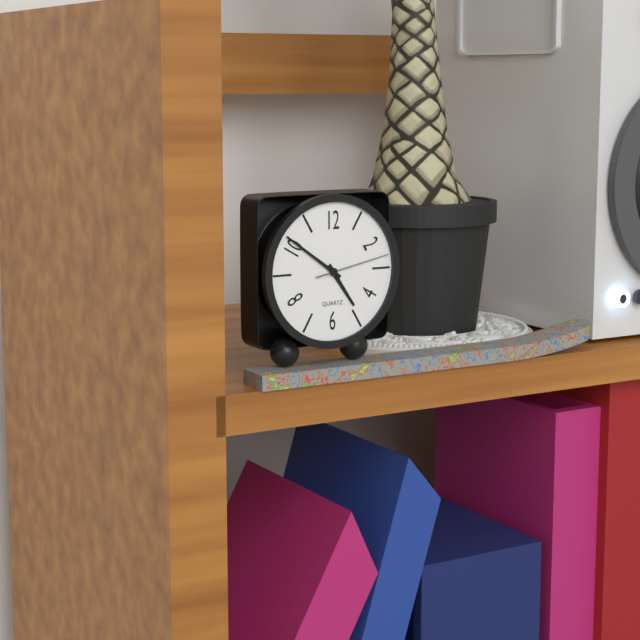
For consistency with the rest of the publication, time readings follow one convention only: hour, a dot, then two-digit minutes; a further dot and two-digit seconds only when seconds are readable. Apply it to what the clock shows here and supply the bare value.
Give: 4.51.13
